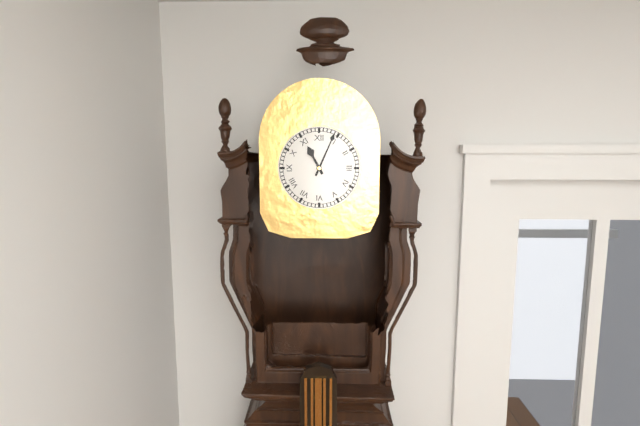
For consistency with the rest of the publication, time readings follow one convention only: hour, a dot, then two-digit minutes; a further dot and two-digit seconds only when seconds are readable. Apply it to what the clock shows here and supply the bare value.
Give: 11.04
